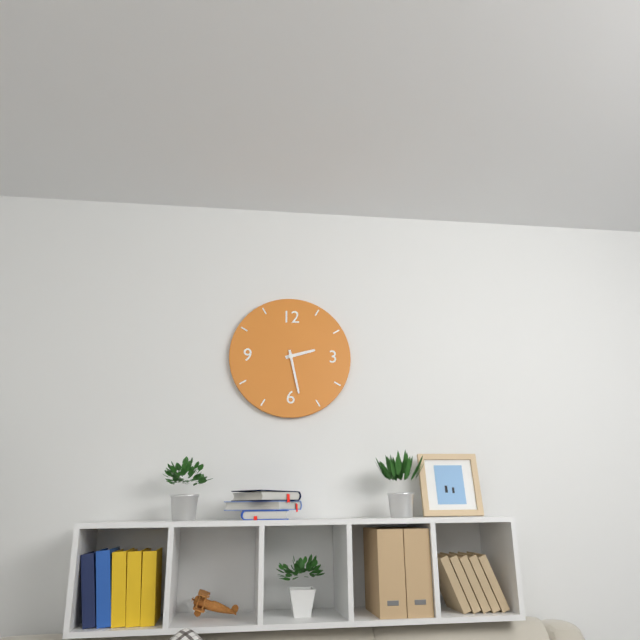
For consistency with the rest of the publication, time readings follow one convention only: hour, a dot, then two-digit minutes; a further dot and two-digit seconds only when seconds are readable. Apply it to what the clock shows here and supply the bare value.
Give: 2.28
